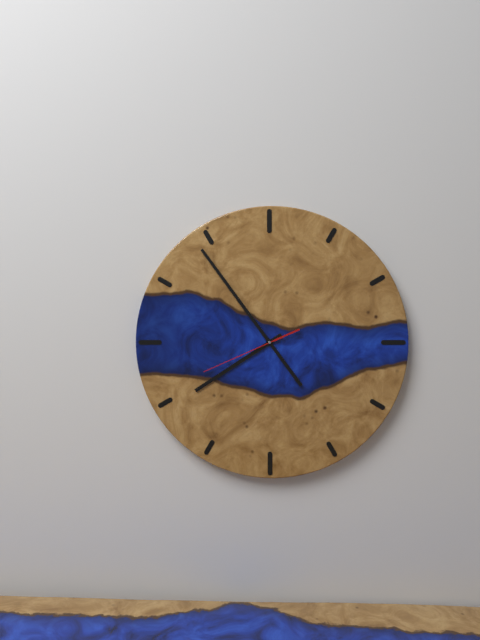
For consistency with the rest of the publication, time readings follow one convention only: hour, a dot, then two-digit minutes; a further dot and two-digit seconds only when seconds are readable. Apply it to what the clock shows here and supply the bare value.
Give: 7.54.41
